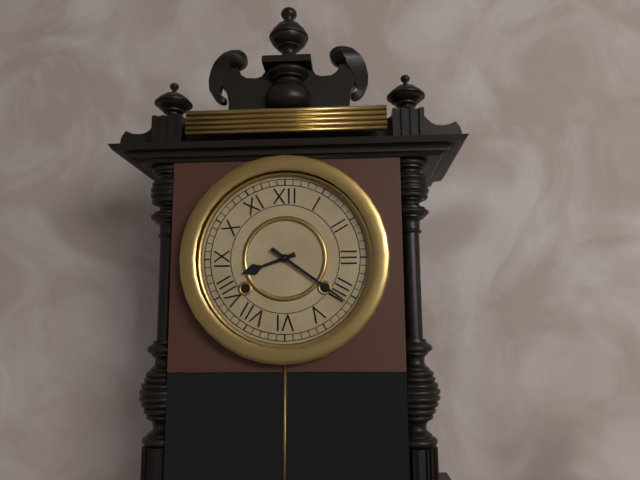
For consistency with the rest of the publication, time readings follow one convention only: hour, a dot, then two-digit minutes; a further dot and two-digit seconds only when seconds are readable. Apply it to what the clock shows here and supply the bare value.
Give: 8.21
